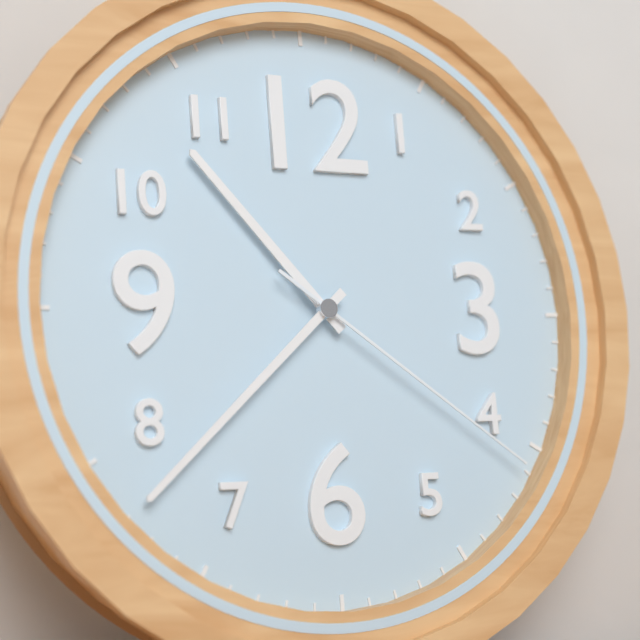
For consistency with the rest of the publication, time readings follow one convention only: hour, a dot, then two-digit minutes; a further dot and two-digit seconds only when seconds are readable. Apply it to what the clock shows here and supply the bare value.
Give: 10.38.21
